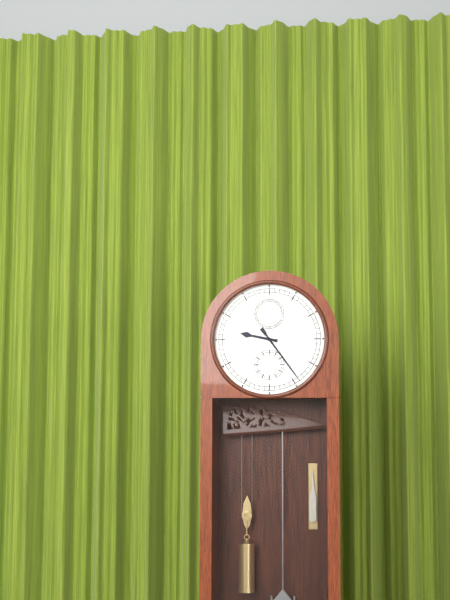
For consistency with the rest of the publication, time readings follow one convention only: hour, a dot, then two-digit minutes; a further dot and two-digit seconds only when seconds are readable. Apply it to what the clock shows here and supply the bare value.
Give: 9.24
